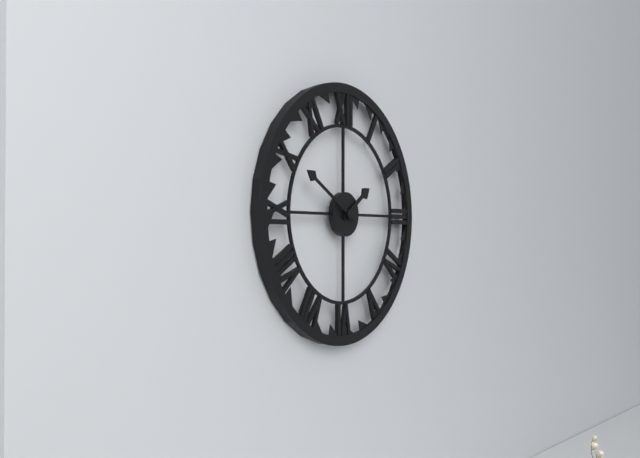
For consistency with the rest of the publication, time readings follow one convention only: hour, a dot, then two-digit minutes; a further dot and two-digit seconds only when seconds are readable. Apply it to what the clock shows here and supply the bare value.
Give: 1.50
